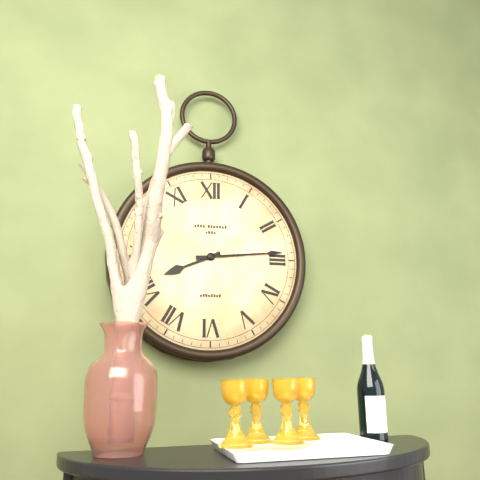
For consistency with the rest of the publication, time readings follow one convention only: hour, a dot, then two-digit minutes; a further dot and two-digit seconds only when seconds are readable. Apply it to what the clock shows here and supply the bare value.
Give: 8.14
